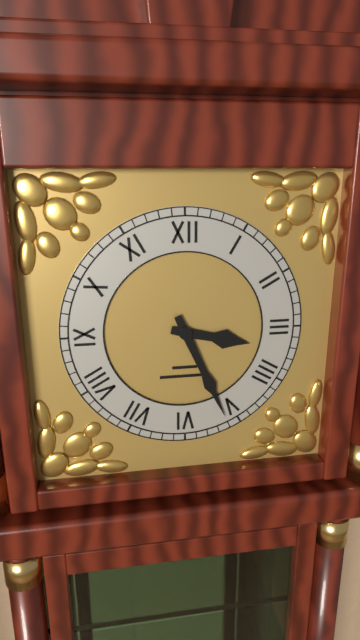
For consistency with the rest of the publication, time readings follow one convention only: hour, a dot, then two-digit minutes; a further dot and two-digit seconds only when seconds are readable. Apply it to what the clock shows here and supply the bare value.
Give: 3.26
